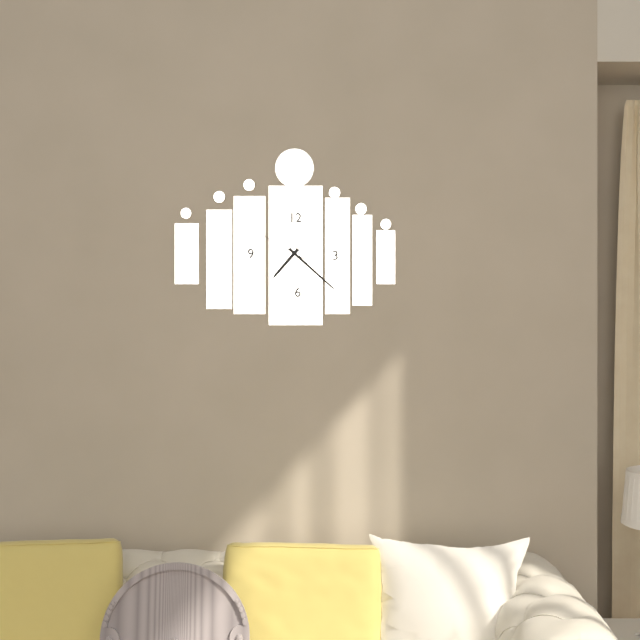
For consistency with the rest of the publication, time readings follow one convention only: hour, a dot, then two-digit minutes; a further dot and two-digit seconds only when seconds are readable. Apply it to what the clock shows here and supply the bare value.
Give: 7.22.50
